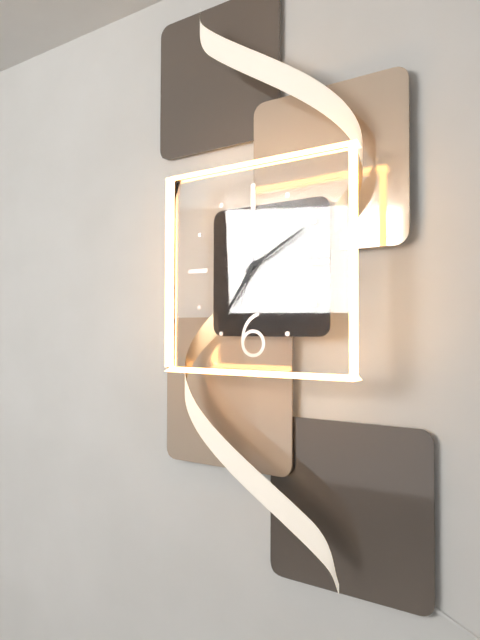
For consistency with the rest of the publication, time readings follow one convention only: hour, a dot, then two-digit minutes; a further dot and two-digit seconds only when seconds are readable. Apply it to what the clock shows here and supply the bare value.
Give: 7.10.33
